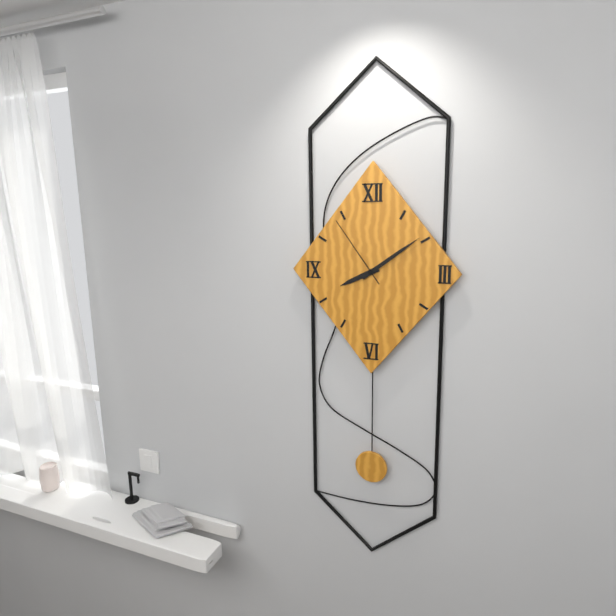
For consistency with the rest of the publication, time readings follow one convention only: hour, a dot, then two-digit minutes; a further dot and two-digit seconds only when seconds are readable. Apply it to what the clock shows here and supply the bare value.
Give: 8.09.54
